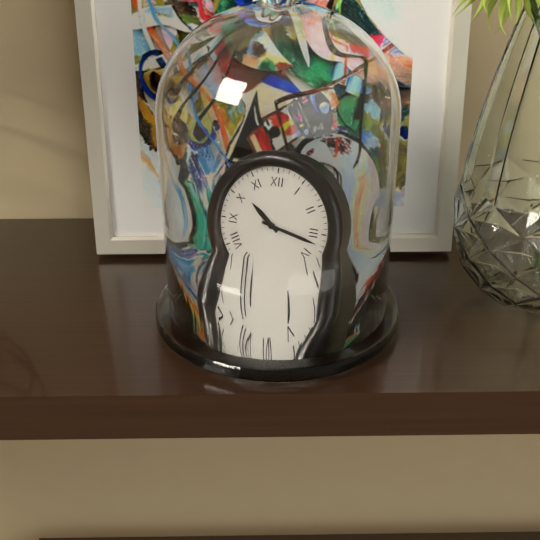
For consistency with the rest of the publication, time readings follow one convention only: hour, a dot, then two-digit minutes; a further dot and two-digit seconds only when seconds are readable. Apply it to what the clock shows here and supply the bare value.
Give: 10.17
